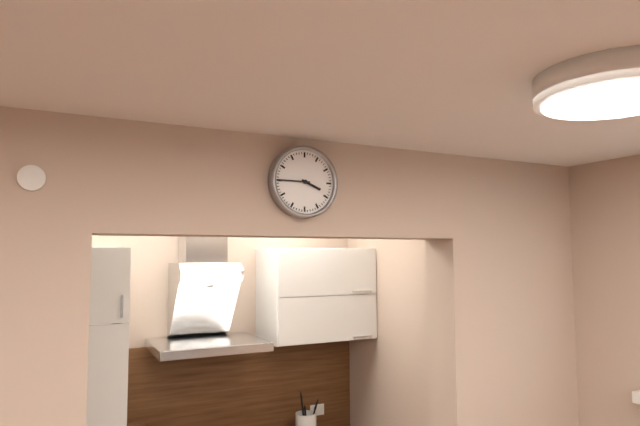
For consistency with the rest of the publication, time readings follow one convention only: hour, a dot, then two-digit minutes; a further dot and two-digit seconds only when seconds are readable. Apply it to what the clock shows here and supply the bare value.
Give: 3.45
